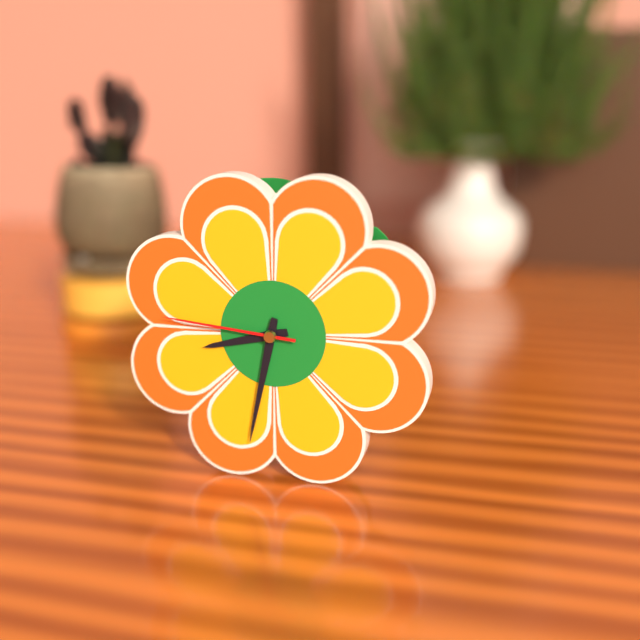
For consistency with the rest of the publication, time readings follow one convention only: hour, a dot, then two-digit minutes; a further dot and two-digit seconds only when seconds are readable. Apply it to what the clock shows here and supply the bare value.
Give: 8.32.46
